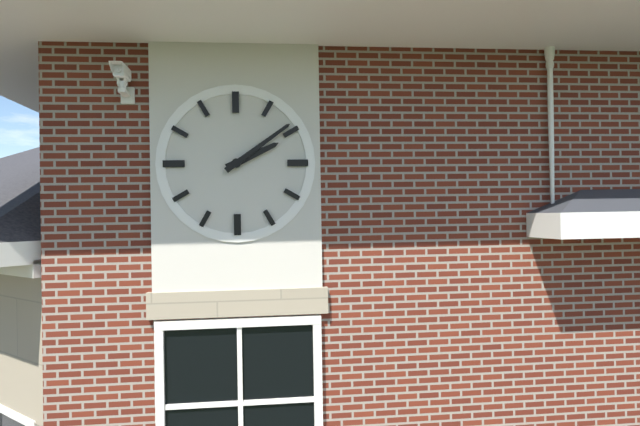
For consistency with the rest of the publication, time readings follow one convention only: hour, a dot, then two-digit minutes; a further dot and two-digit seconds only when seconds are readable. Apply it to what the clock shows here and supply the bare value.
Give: 2.09
